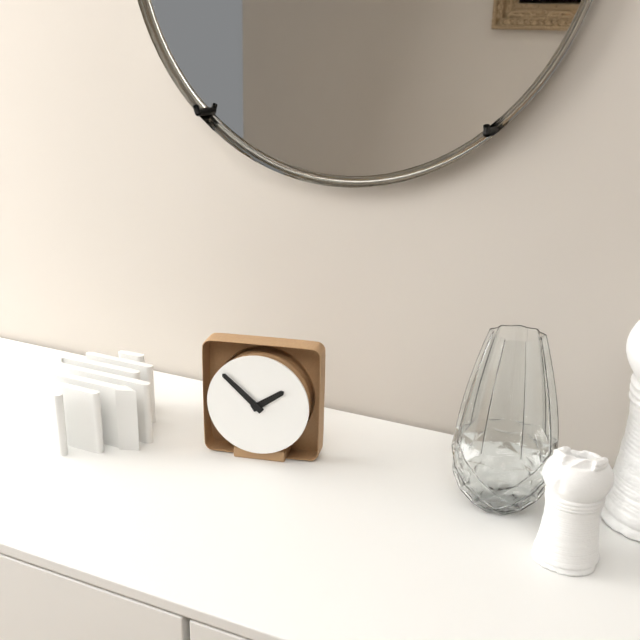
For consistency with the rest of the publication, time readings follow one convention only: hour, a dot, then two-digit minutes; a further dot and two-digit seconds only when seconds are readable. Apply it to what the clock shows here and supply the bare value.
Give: 1.52
